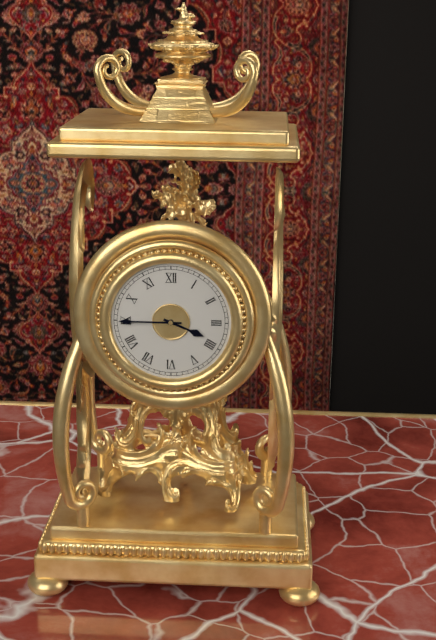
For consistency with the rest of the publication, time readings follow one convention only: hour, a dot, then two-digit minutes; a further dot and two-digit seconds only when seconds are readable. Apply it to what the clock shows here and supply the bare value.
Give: 3.45
